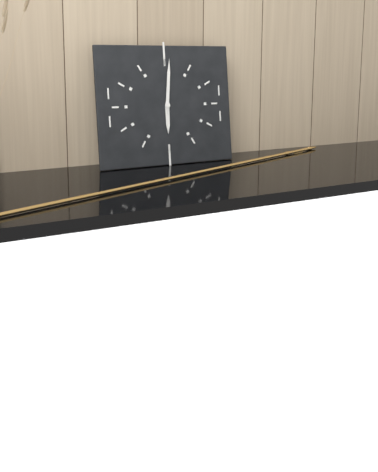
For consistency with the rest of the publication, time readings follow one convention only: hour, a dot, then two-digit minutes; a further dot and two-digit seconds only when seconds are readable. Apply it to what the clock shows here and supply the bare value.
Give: 6.01
